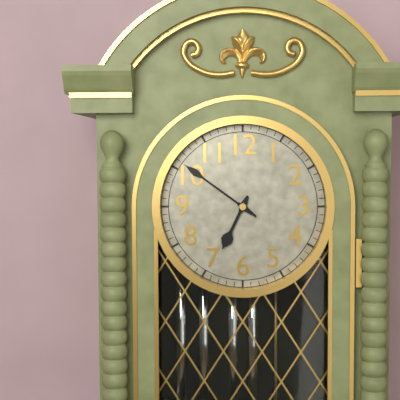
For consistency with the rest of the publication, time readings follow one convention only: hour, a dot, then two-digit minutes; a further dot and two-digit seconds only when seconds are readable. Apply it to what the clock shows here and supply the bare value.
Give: 6.51
